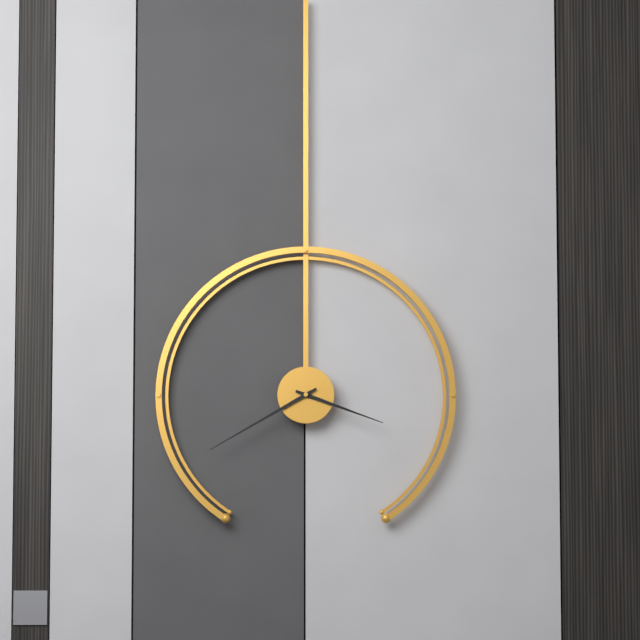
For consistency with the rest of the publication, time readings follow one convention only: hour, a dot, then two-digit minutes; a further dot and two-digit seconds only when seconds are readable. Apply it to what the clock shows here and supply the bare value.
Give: 3.40
